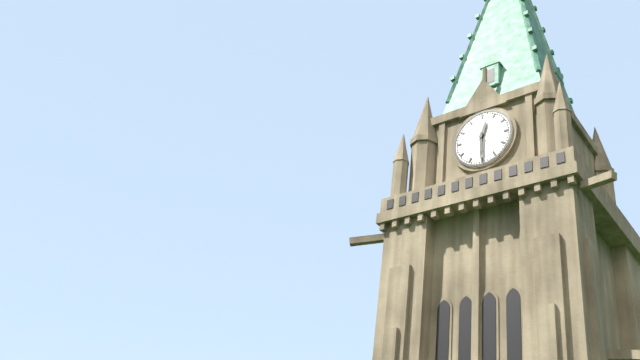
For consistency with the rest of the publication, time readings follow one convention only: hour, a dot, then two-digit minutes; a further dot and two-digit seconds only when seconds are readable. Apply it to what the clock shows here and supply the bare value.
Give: 12.30
